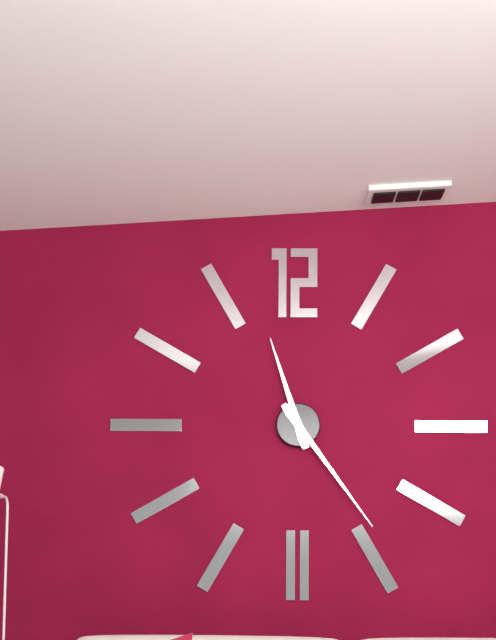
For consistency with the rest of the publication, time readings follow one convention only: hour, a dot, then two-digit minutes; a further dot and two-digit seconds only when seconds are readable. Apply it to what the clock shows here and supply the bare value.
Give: 11.24
